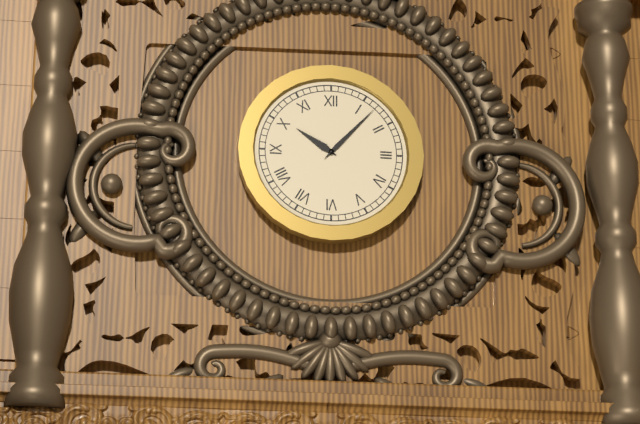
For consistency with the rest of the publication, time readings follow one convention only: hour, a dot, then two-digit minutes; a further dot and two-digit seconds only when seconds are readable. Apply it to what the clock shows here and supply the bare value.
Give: 10.07
